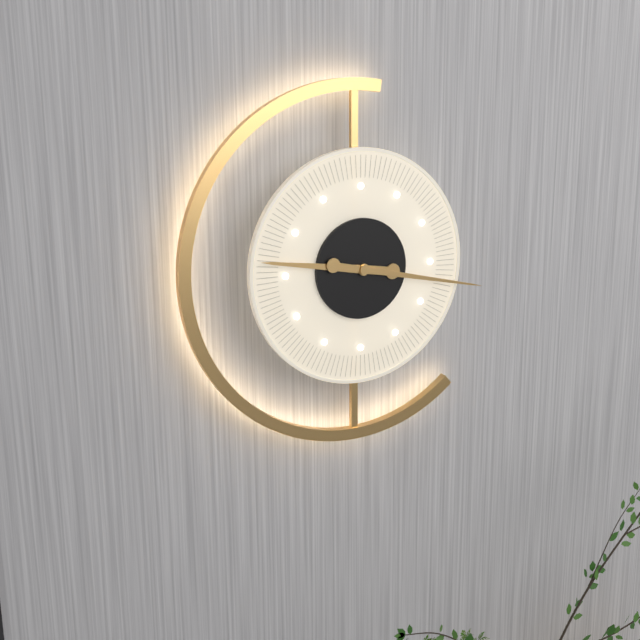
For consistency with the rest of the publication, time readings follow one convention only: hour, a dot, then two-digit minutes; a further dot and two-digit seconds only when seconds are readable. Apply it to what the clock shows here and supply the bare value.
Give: 9.17
